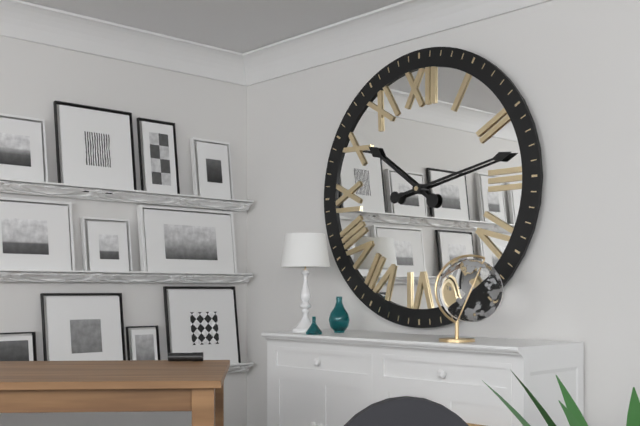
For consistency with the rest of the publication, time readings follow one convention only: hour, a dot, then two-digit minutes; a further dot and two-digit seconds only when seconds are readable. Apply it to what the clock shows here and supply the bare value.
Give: 10.13
